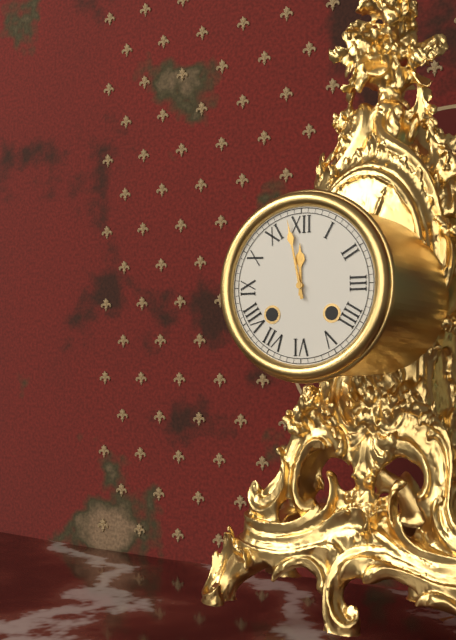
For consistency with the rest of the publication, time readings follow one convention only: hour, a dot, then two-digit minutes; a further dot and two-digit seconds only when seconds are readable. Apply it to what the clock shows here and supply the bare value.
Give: 11.58
